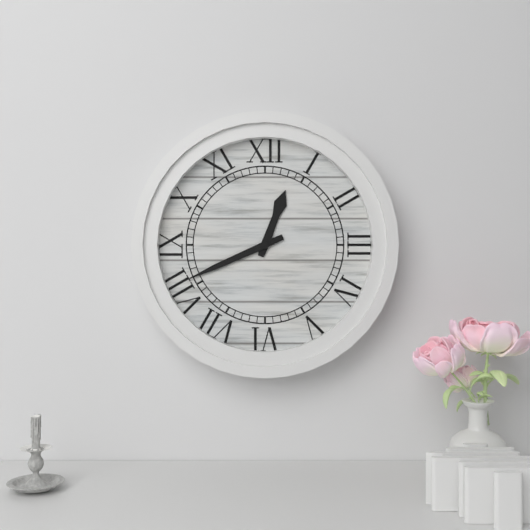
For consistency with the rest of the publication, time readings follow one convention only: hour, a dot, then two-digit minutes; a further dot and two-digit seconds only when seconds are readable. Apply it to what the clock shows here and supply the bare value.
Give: 12.41
